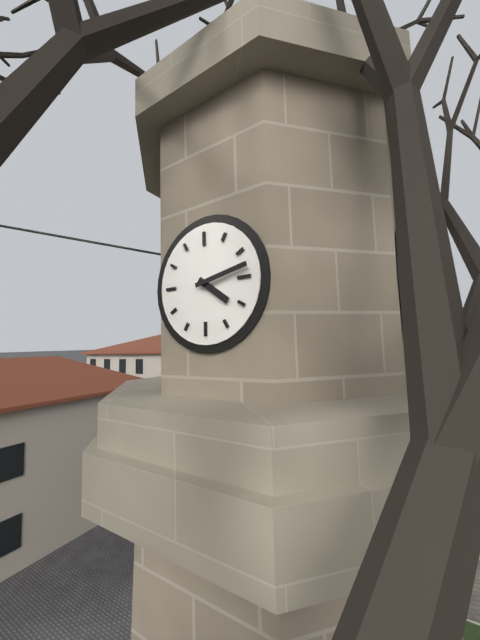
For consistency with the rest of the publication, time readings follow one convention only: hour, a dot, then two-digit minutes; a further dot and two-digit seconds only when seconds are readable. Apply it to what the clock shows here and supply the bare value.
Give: 4.13
